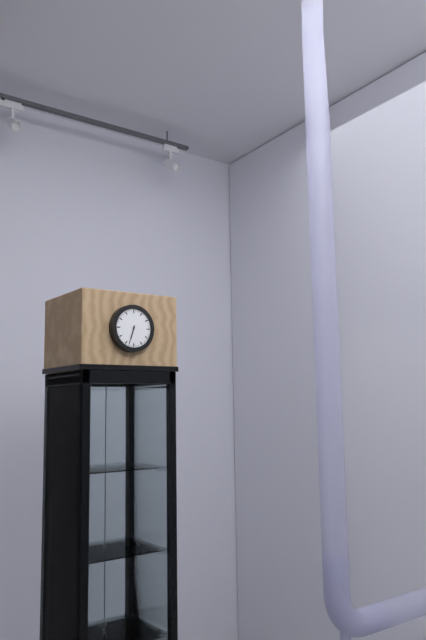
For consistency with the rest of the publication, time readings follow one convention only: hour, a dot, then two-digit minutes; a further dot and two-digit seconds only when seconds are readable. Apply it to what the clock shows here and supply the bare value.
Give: 6.33
